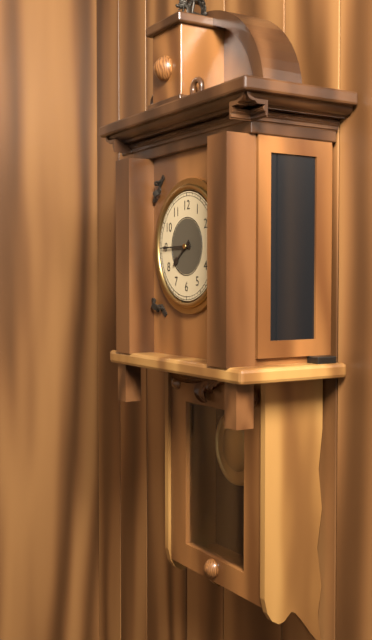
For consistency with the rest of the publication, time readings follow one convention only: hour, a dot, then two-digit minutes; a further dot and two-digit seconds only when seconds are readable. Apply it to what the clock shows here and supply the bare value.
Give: 7.45
